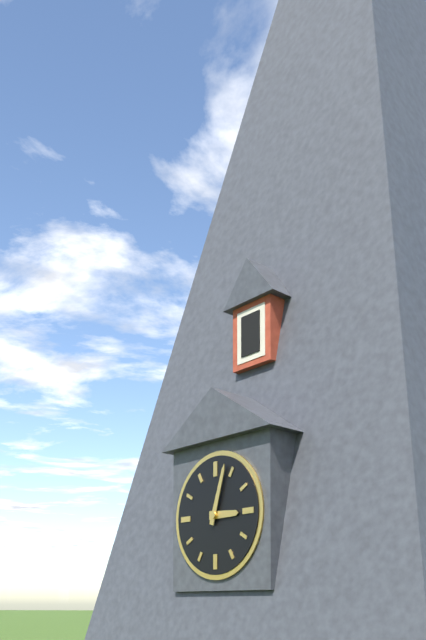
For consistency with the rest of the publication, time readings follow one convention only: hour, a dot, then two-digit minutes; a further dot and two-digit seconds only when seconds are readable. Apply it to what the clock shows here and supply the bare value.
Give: 3.03
